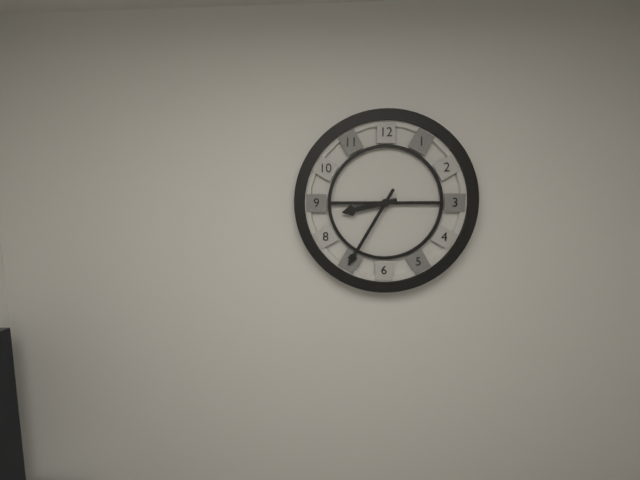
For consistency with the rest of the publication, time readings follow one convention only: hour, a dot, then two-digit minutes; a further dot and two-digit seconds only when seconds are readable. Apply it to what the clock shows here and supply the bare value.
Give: 8.35
